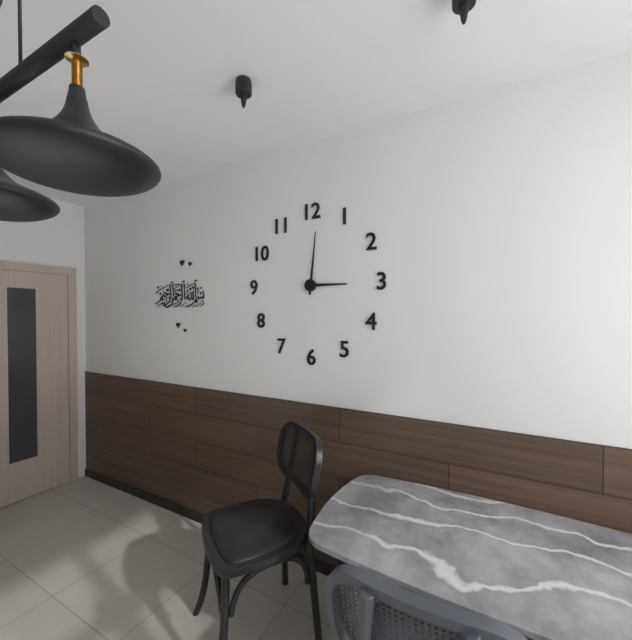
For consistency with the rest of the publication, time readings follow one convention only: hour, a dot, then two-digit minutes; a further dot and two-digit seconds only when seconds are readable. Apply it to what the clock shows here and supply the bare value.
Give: 3.01
